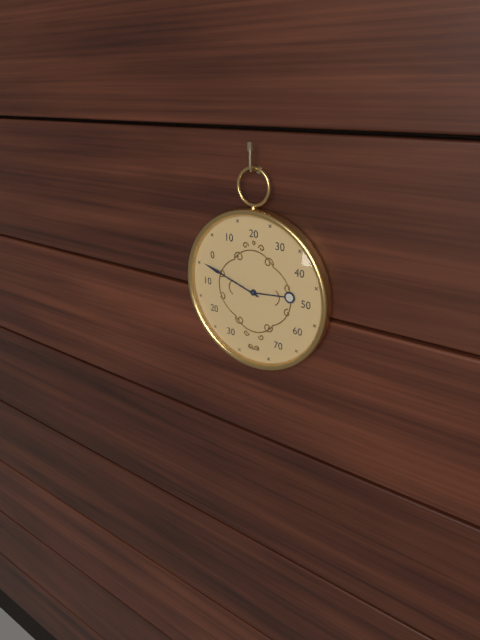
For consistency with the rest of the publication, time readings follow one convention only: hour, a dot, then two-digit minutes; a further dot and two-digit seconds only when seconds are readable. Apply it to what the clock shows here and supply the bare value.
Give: 2.48
